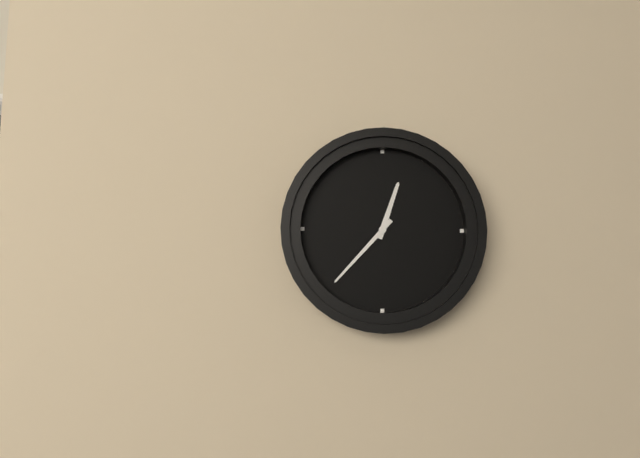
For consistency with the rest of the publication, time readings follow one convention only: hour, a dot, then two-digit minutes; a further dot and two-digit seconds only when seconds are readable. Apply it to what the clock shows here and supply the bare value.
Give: 12.37
